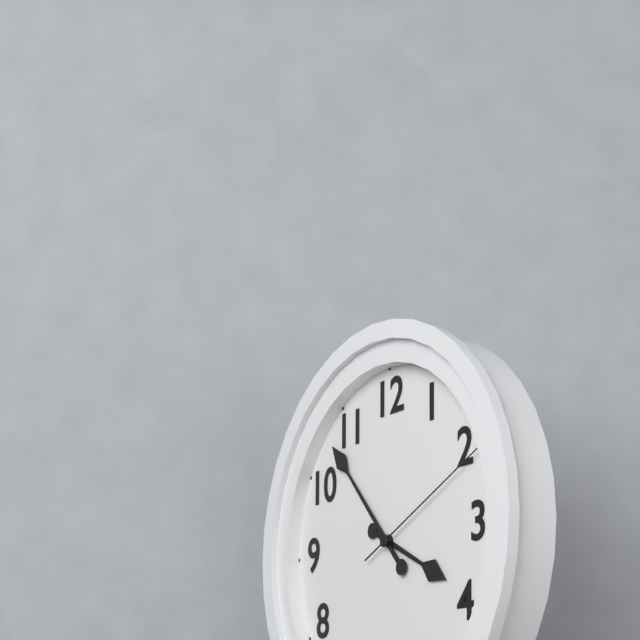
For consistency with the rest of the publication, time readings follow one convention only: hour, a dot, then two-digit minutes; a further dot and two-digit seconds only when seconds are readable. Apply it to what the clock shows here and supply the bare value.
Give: 3.53.11
